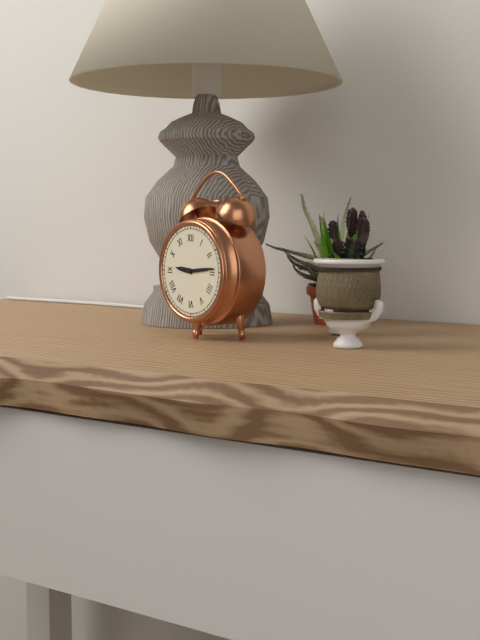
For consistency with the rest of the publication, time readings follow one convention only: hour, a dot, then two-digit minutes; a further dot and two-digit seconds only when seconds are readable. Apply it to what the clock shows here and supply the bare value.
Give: 9.14
